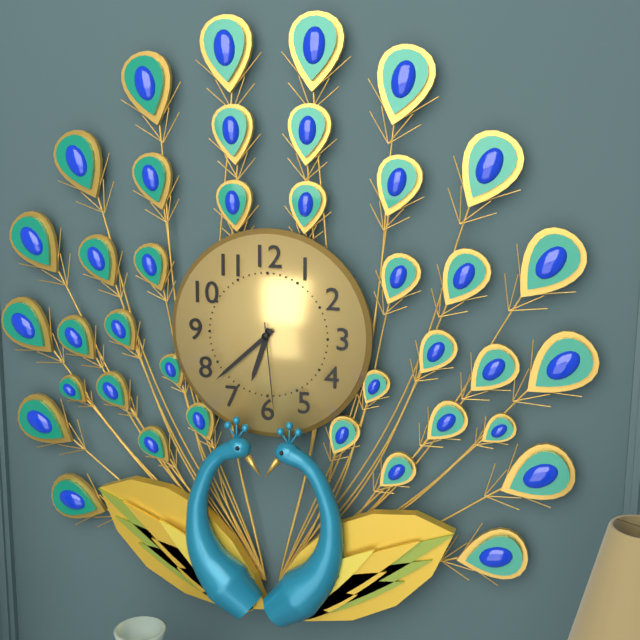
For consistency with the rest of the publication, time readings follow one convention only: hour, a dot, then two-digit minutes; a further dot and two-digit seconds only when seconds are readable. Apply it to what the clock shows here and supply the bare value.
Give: 6.38.29
